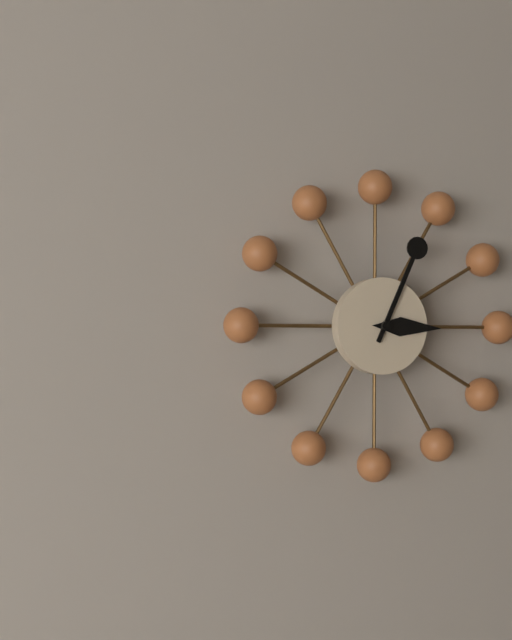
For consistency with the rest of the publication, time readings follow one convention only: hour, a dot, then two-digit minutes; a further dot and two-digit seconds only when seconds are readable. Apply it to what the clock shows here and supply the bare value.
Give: 3.04
